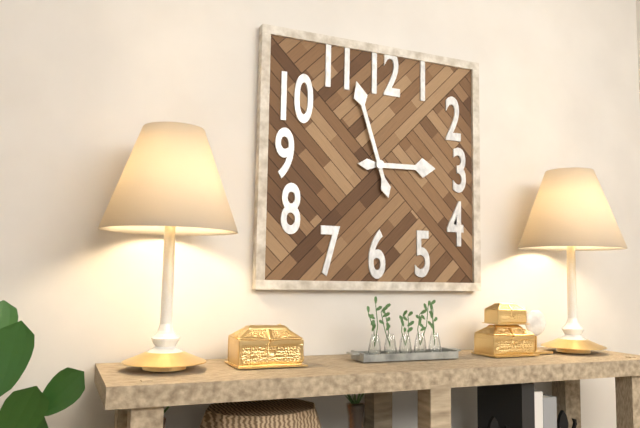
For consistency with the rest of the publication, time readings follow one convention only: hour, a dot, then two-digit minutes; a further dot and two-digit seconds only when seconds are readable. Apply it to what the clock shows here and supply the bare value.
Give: 2.57
